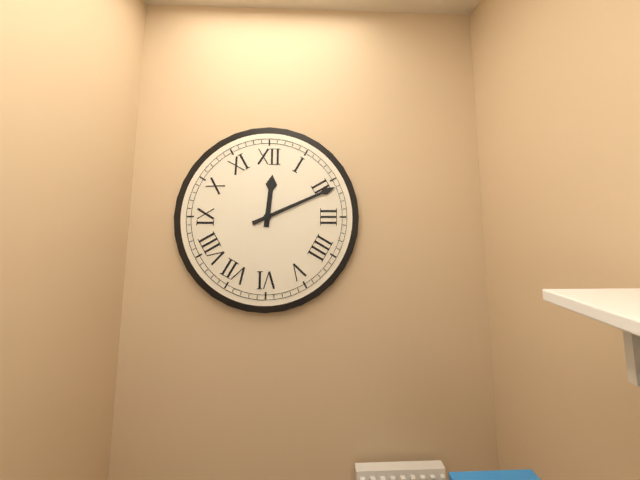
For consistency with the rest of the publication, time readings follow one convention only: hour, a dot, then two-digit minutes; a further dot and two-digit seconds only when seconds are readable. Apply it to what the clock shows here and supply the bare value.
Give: 12.11
